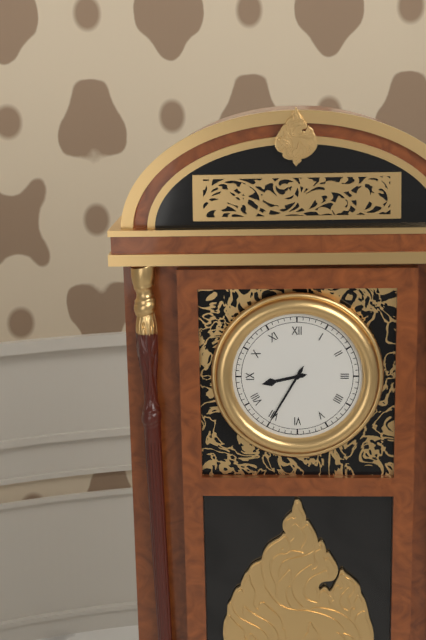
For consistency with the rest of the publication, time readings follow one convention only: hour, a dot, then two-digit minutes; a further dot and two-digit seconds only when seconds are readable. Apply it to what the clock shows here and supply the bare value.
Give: 8.35
